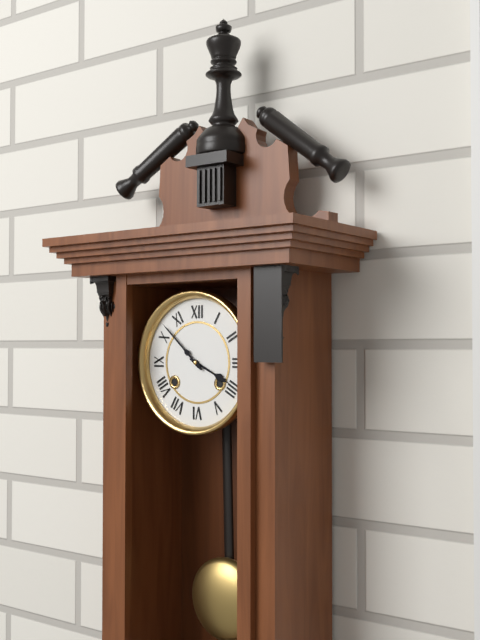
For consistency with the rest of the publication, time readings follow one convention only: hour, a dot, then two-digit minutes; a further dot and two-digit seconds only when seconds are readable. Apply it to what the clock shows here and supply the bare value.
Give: 3.52
